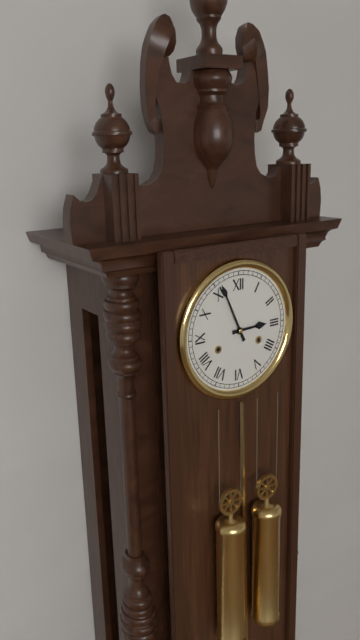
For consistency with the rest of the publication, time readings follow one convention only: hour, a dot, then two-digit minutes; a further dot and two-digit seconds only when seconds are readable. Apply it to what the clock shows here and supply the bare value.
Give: 2.56
